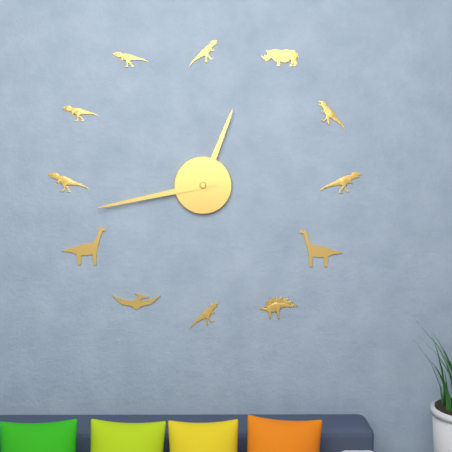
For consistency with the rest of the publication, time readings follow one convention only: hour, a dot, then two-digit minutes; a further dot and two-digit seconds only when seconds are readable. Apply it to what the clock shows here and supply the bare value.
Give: 12.43
